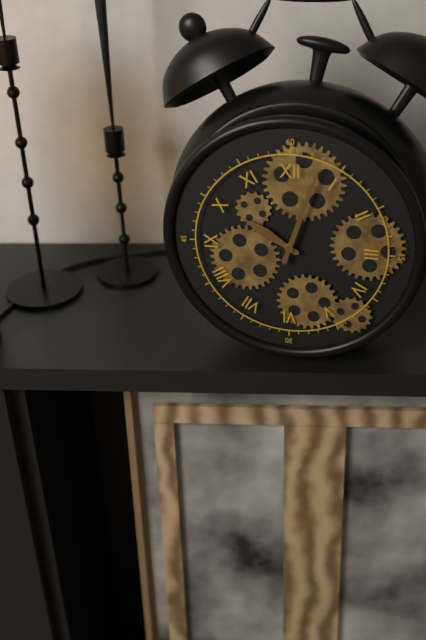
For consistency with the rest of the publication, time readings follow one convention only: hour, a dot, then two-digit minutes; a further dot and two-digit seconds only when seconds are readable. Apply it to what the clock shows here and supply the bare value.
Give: 10.03
